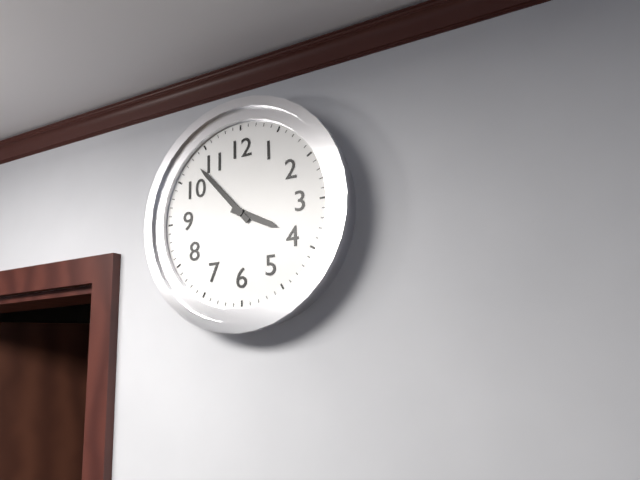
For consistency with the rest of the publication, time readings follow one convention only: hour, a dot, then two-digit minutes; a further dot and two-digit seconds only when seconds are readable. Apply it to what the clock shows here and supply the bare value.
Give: 3.53
